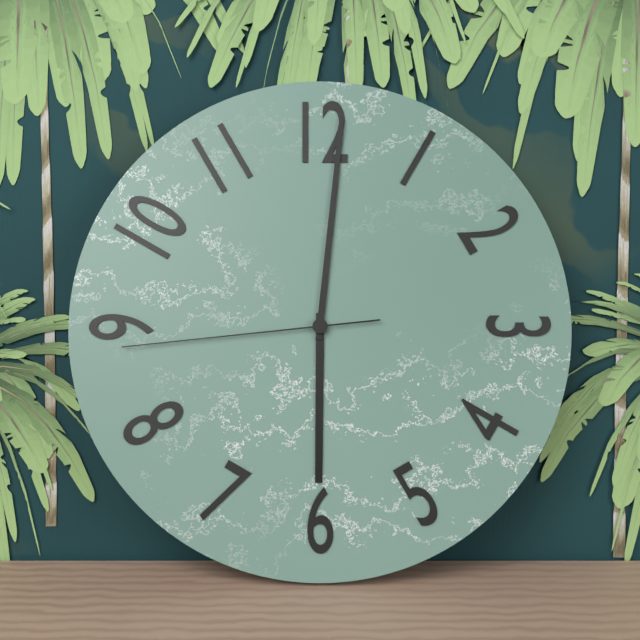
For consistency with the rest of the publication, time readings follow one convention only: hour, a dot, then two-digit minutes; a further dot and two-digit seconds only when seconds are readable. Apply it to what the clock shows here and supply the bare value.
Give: 6.01.44
